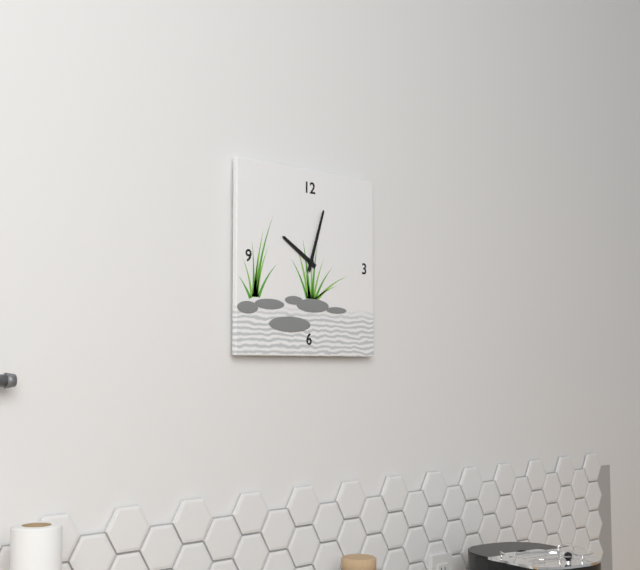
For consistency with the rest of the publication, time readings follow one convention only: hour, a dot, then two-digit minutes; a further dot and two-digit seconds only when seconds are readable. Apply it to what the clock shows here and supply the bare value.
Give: 10.03
